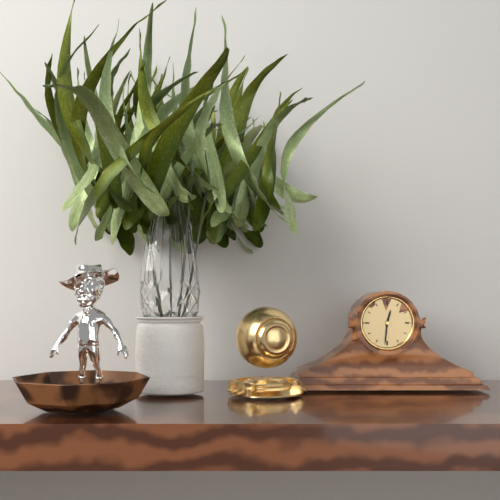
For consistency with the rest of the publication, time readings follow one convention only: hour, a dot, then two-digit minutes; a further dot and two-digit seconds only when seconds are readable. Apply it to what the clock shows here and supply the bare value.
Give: 12.31
